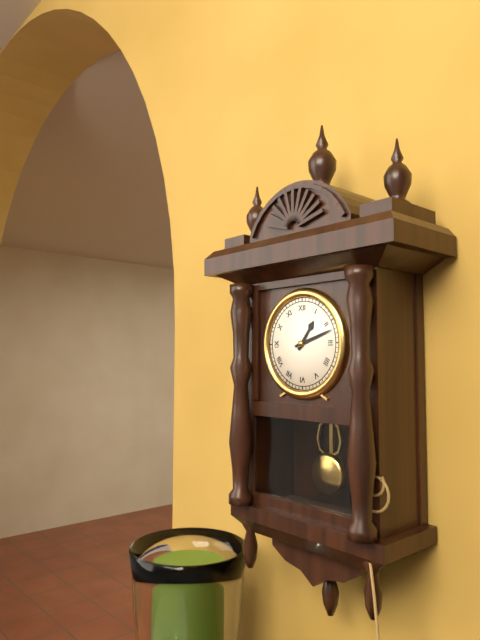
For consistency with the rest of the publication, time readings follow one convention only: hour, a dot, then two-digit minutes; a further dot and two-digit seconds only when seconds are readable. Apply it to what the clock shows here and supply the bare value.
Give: 1.12
